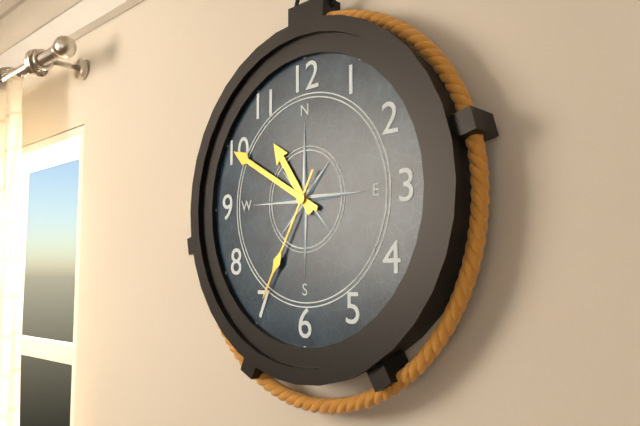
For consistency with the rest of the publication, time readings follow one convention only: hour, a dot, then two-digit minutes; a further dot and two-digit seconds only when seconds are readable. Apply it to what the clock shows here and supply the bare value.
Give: 10.50.35
